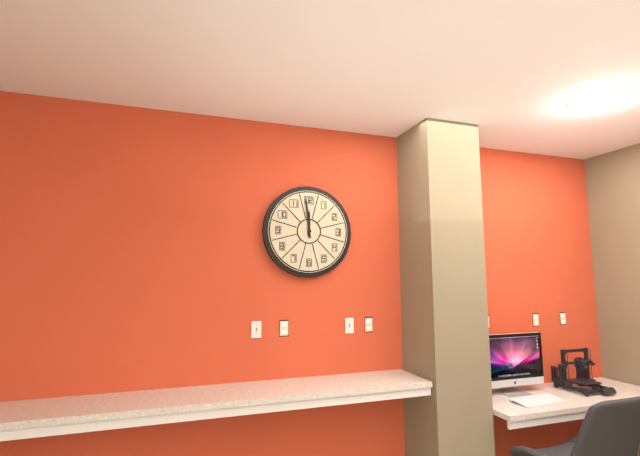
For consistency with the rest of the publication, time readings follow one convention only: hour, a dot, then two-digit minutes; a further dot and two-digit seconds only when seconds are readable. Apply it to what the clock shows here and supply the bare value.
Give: 11.59
